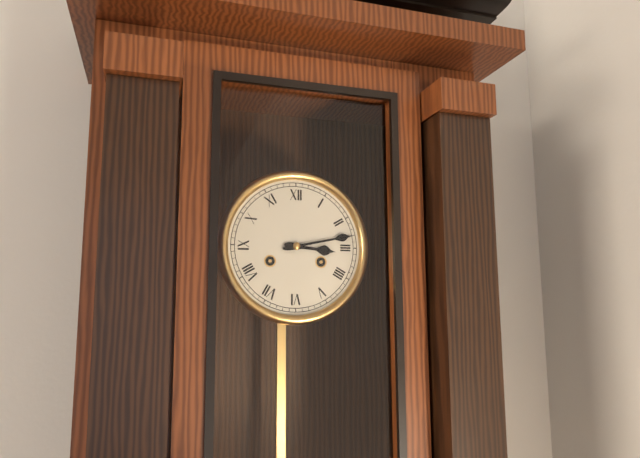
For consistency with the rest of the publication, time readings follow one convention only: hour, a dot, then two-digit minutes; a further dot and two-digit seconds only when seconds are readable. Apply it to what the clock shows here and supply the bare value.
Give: 3.13
